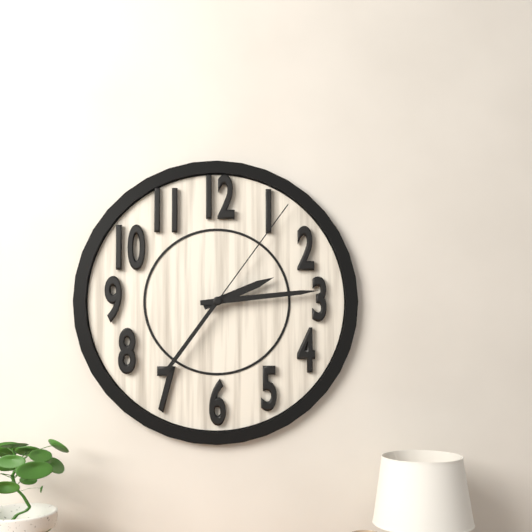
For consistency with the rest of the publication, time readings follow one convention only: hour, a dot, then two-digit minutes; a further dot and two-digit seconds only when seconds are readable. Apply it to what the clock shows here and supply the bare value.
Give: 2.14.06
